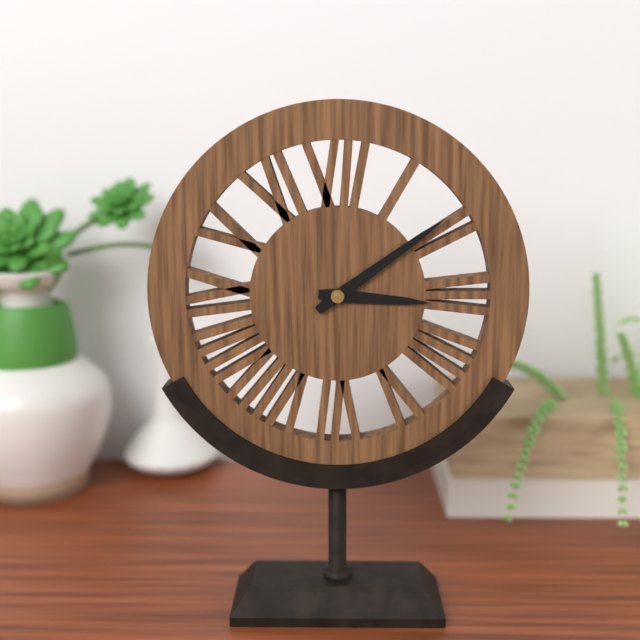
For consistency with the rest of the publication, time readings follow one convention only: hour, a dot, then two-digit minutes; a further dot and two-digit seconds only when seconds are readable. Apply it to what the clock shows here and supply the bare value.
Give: 3.09
